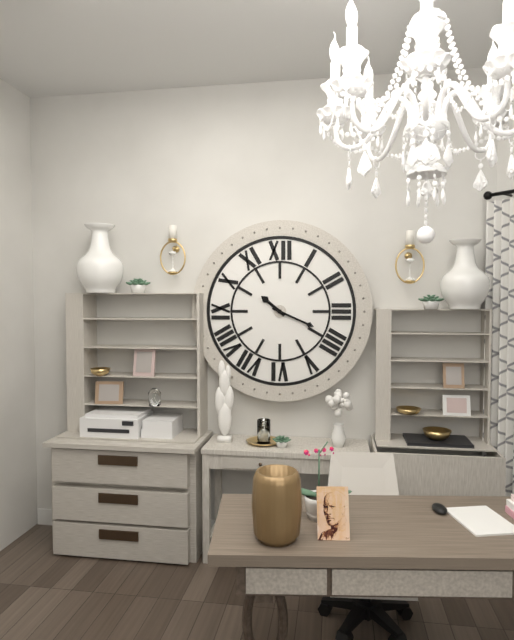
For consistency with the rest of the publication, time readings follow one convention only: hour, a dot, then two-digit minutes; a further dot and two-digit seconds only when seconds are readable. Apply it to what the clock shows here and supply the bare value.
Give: 10.19
